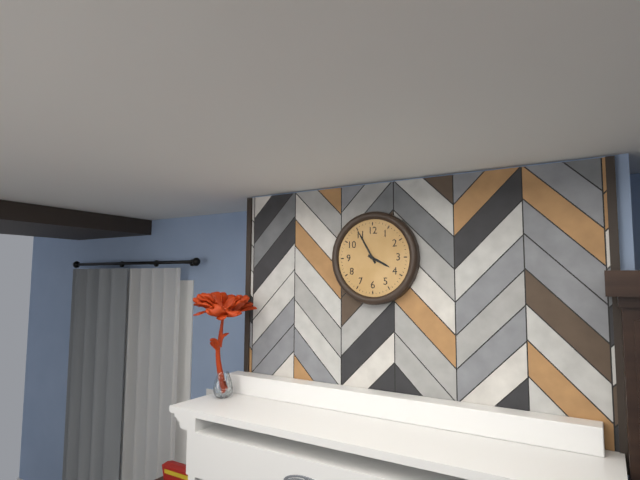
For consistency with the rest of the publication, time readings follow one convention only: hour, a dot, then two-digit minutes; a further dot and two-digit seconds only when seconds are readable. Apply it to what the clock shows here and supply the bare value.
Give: 3.55
